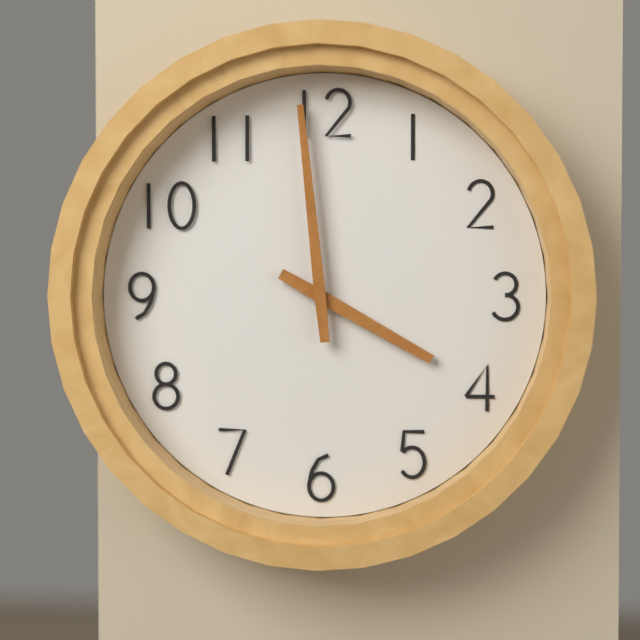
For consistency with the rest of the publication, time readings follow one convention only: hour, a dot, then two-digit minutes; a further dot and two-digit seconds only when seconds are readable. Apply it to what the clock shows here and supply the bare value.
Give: 3.59
